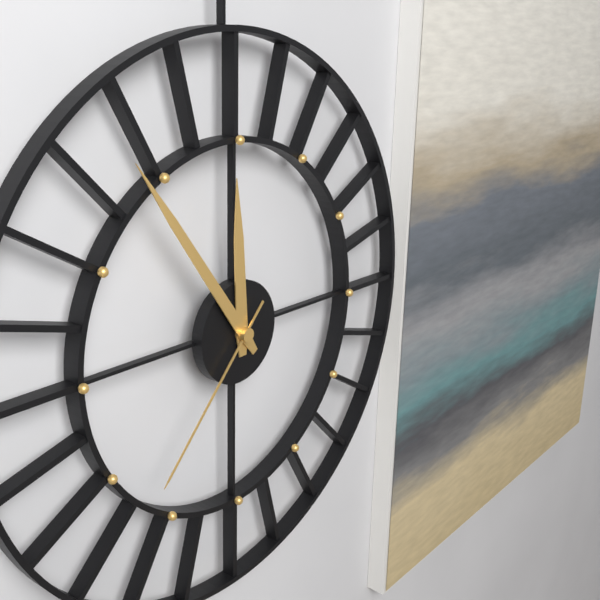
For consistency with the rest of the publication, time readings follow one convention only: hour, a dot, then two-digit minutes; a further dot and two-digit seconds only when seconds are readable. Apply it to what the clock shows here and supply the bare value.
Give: 11.54.37
